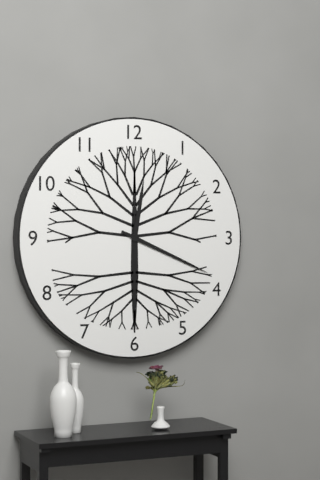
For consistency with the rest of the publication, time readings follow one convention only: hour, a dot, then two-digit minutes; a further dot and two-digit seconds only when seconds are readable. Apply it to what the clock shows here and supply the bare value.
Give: 12.19
